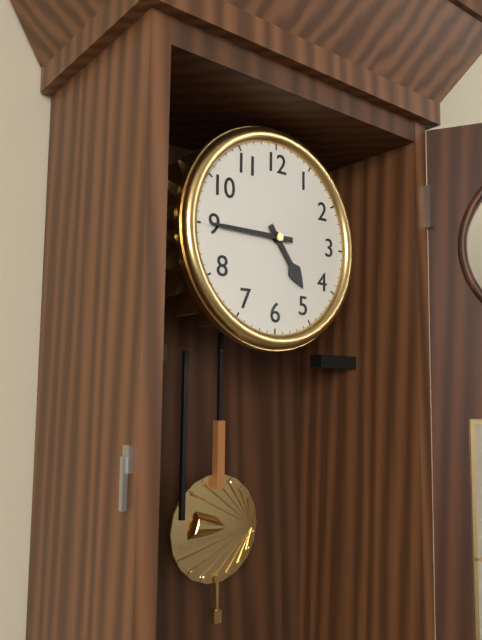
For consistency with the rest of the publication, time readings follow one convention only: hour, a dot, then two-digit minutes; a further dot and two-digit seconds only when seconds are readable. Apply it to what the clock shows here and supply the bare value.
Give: 4.45
